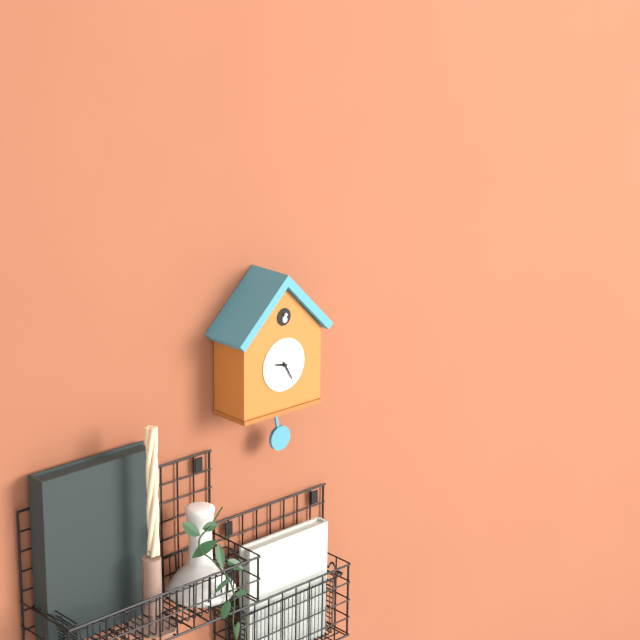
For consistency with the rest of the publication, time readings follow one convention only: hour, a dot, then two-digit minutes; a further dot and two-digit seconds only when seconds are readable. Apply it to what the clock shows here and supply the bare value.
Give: 9.25
